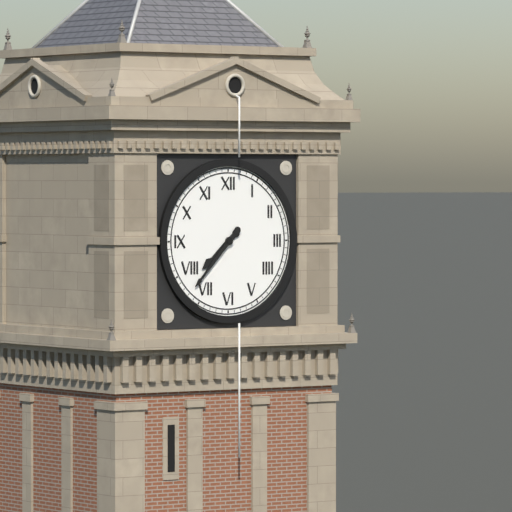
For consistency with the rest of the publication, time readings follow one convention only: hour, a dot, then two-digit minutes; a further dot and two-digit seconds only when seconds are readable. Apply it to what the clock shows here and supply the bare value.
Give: 7.37
